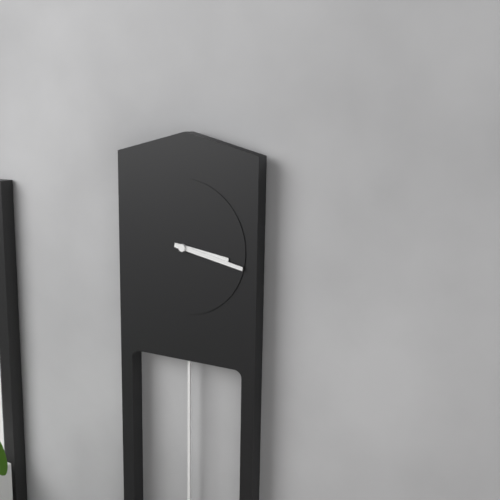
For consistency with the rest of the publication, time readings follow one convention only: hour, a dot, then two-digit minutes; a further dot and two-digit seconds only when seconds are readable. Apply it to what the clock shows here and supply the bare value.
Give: 3.17
